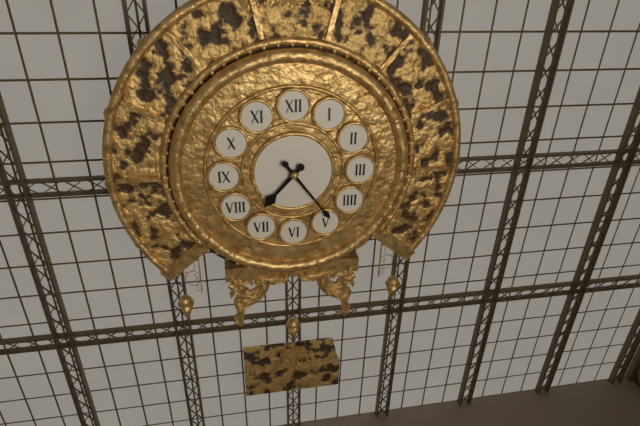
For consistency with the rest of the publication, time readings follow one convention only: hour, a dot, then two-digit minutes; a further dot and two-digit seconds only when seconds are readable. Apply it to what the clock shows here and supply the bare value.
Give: 7.24
